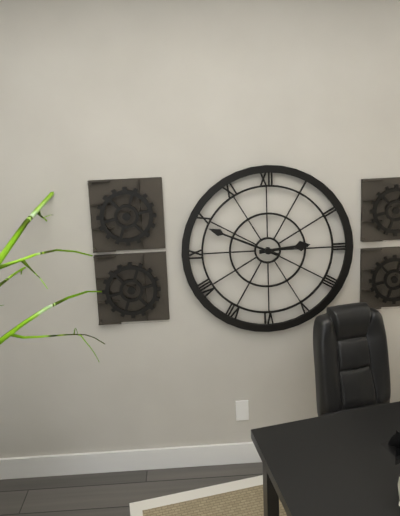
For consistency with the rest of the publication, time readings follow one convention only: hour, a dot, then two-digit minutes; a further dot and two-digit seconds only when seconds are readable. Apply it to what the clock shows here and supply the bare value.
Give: 2.49
